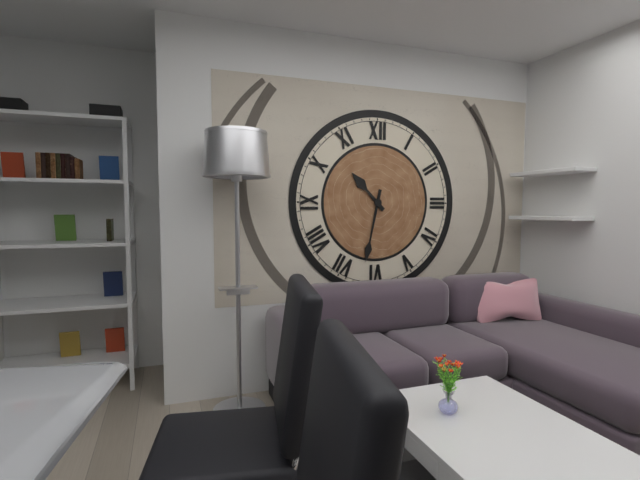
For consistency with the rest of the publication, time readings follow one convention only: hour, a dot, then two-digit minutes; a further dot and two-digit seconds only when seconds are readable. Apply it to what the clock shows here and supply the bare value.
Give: 10.32
